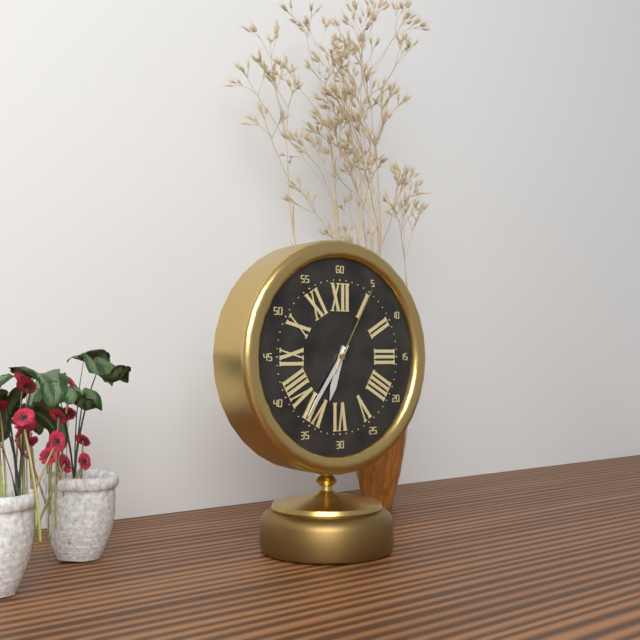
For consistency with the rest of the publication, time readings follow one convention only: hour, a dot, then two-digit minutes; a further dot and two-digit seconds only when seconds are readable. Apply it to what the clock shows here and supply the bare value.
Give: 6.36.05
